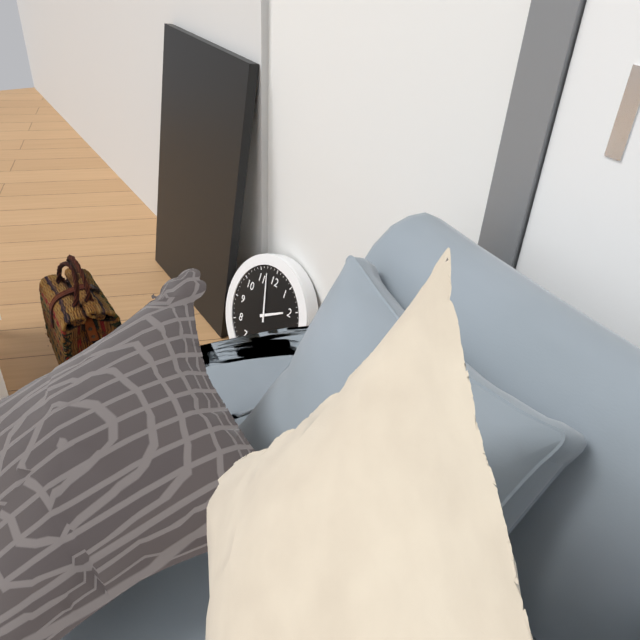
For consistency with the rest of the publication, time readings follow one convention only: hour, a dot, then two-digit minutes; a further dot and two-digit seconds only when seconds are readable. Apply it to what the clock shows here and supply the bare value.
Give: 1.57
